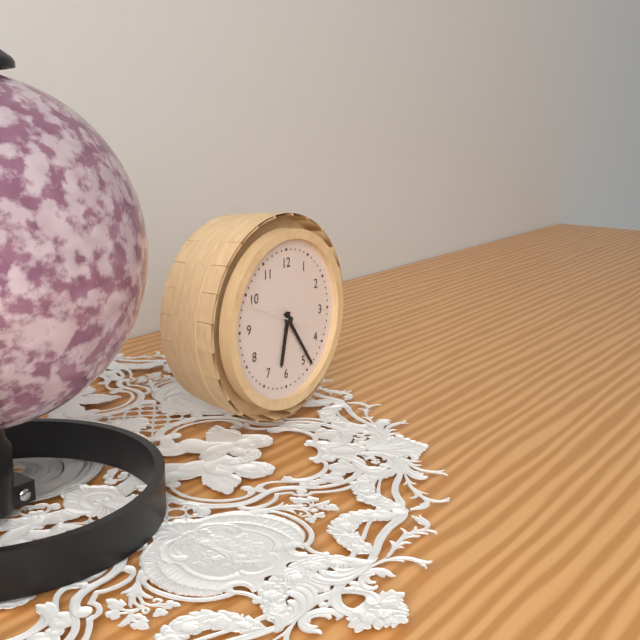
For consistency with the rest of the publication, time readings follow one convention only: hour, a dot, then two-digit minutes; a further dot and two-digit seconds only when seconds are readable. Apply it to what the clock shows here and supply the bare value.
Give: 6.24
